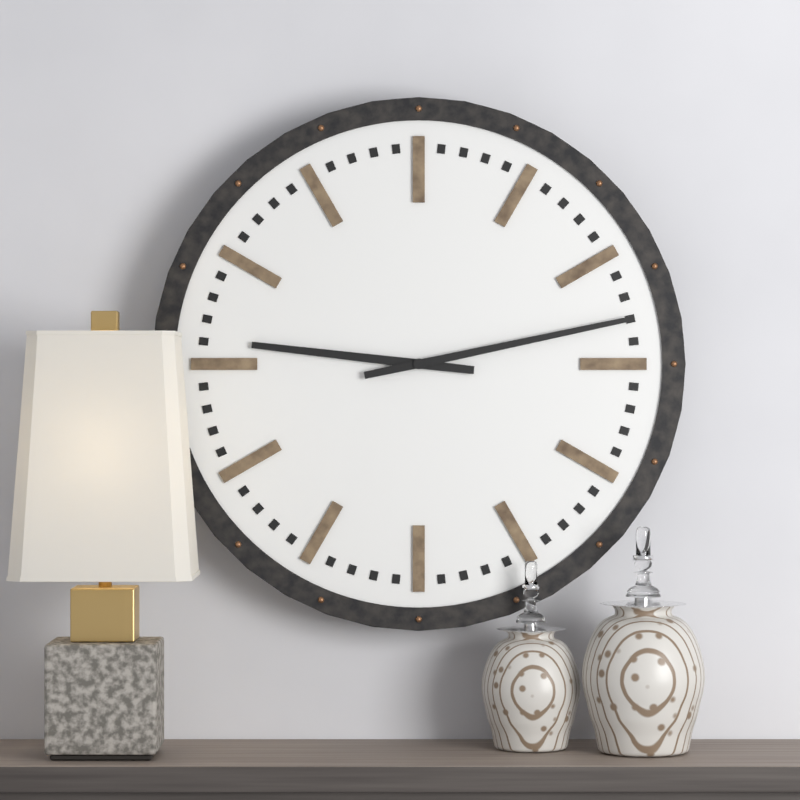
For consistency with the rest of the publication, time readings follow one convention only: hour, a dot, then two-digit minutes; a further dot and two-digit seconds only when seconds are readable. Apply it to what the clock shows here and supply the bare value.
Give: 9.13
